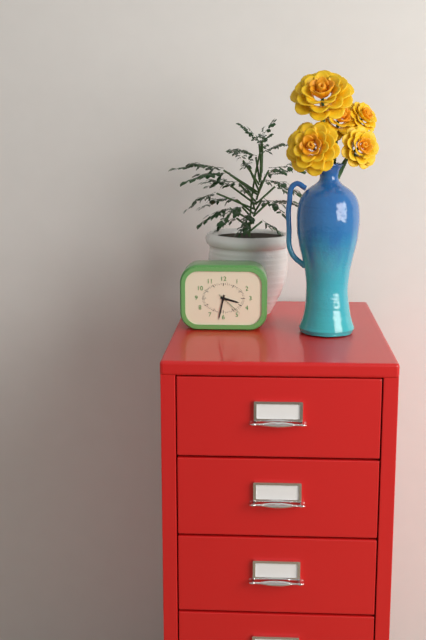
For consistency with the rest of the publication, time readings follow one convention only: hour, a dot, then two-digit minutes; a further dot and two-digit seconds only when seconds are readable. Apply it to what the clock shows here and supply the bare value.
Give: 3.32
